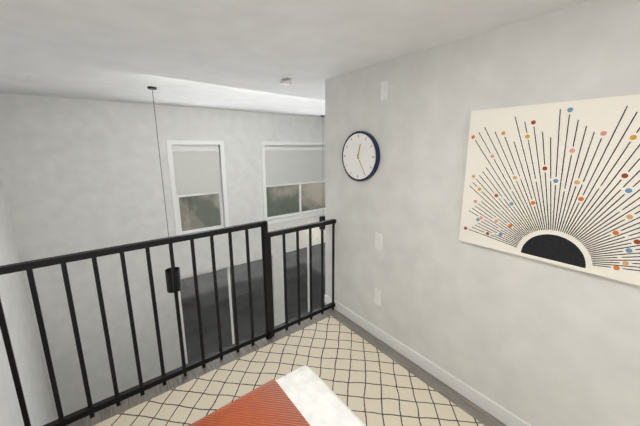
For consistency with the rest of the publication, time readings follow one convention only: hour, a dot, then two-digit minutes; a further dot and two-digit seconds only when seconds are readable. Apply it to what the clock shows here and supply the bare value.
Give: 12.25
